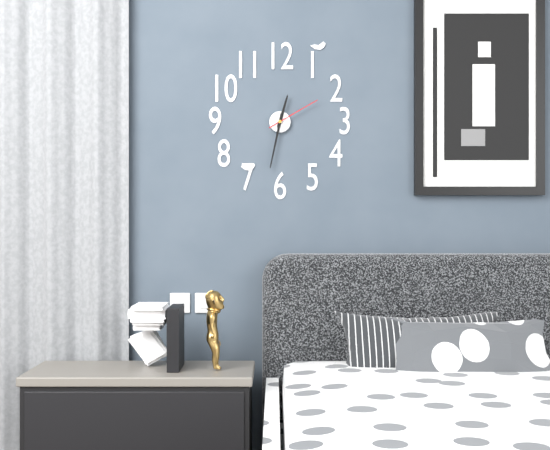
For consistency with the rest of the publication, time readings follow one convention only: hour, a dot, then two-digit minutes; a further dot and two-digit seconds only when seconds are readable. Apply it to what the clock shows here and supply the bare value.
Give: 12.32.10
